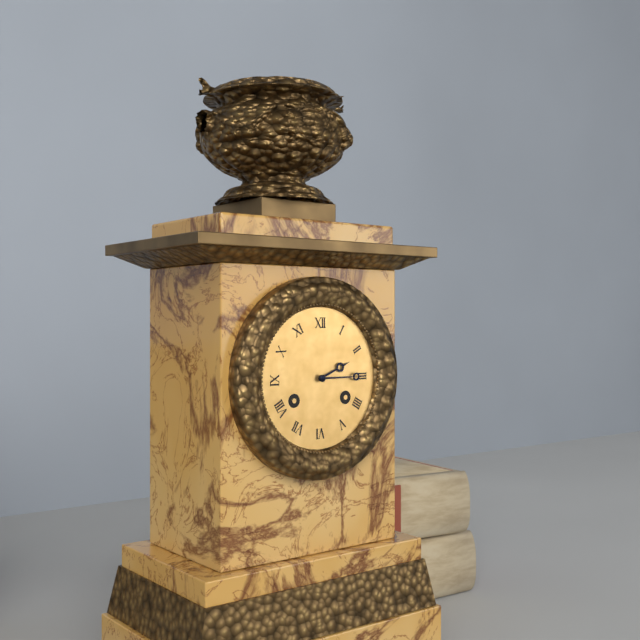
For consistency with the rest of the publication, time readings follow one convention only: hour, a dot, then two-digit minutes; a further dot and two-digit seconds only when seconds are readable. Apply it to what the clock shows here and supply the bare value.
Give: 2.15
